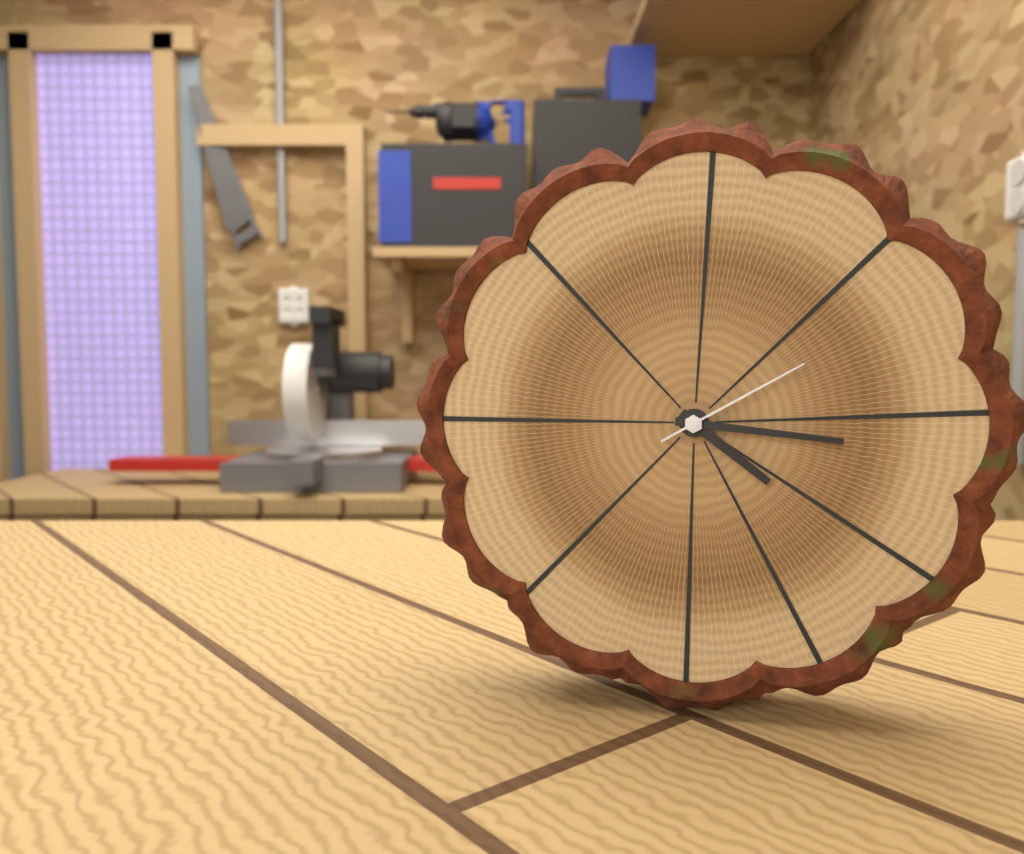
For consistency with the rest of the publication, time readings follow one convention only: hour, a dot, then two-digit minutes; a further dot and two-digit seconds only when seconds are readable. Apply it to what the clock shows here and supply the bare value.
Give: 4.16.10
